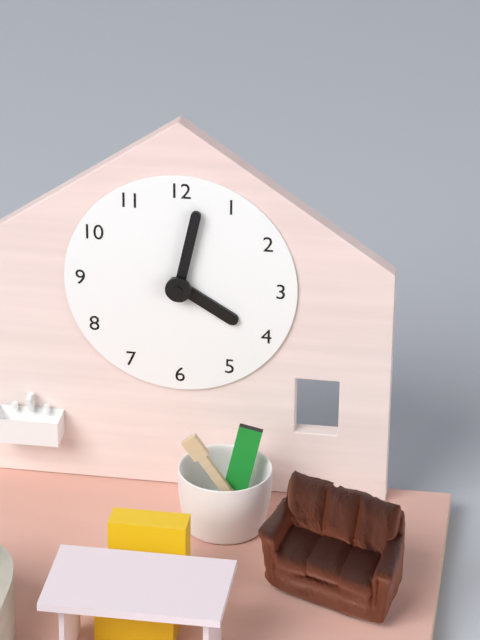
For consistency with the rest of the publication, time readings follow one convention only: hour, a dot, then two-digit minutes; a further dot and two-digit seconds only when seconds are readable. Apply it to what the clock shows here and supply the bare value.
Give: 4.02
